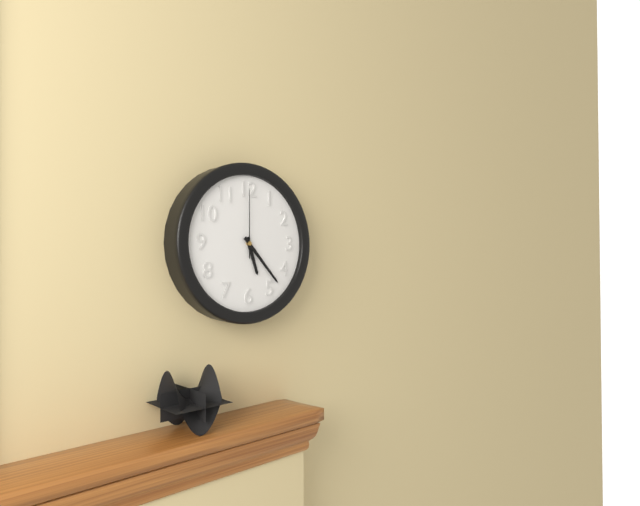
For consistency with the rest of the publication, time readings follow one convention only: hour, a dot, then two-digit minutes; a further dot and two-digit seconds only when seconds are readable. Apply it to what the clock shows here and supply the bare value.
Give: 5.23.00
